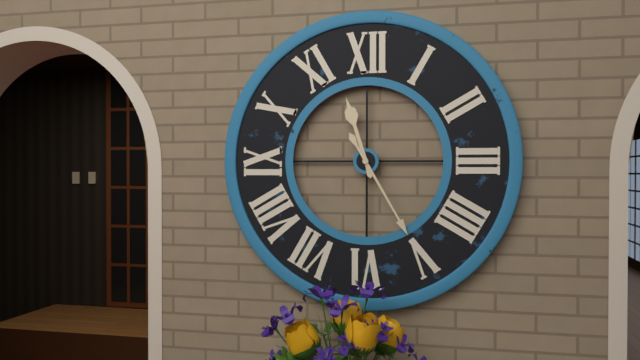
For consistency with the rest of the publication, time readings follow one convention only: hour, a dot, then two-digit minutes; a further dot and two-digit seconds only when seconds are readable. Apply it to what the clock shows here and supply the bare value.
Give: 11.25
